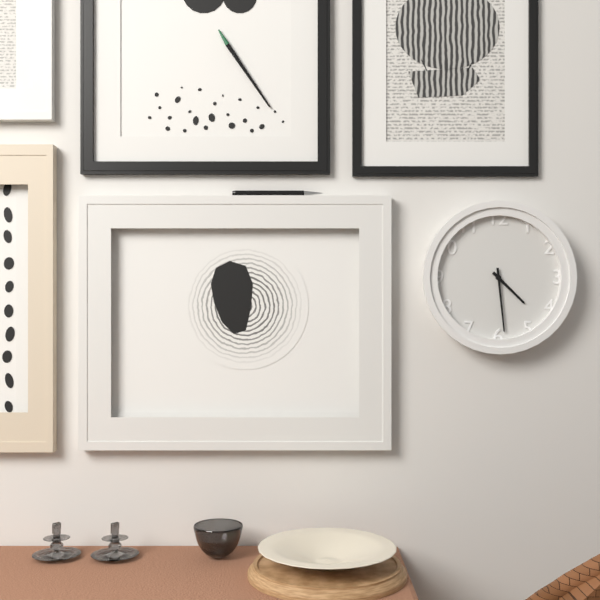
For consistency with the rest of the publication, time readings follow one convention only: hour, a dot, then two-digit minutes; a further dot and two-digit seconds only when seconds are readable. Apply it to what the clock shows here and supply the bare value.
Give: 4.29
